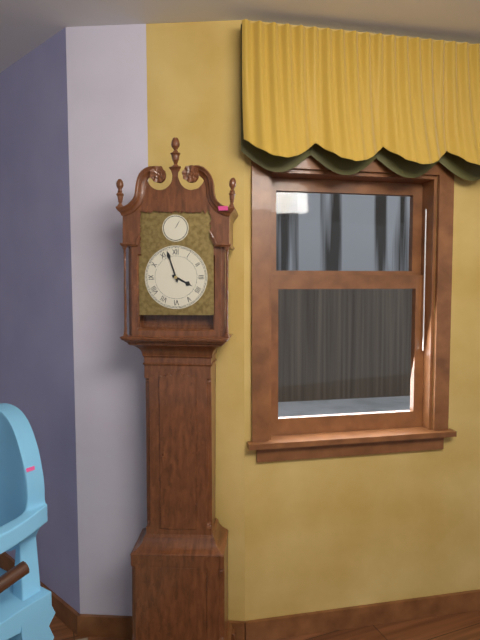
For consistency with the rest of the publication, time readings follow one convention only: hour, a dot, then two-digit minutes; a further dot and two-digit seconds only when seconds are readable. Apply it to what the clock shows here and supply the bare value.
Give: 3.57
